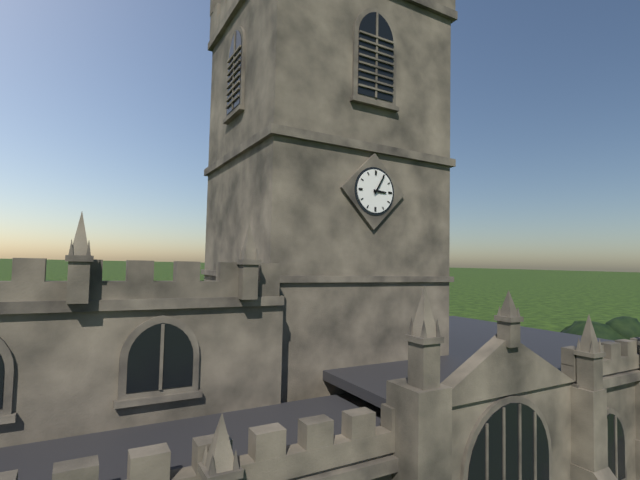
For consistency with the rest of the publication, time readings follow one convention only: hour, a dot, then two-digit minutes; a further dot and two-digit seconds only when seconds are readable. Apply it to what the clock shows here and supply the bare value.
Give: 3.05
